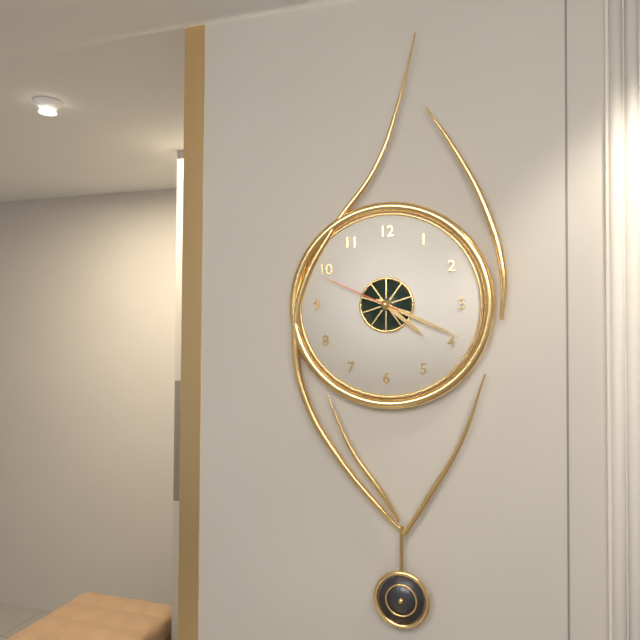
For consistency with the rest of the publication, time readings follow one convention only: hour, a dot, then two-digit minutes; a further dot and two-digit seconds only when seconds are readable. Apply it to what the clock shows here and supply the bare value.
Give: 4.19.49
